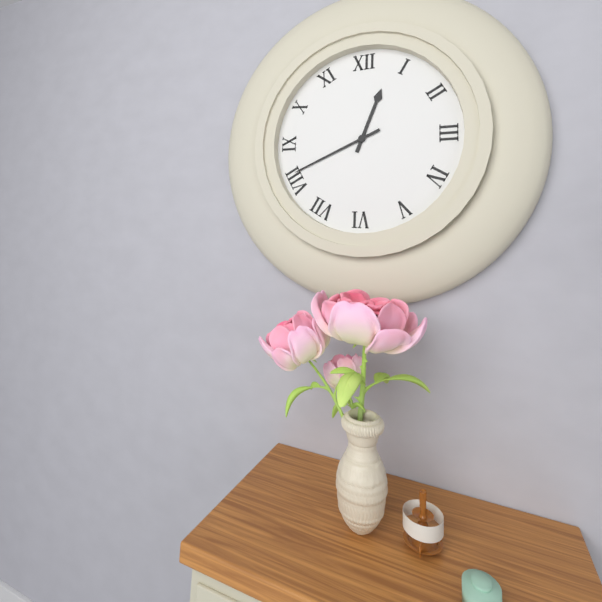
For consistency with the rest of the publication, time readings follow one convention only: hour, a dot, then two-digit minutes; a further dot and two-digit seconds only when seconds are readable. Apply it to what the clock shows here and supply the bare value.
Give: 12.41
